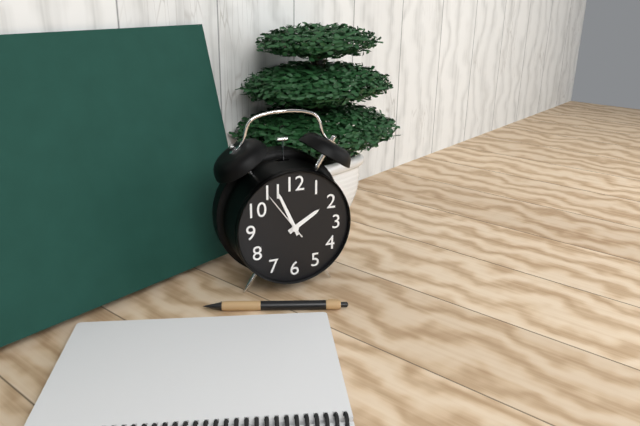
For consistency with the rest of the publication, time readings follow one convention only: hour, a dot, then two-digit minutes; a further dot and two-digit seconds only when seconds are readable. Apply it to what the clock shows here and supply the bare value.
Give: 1.56.54
